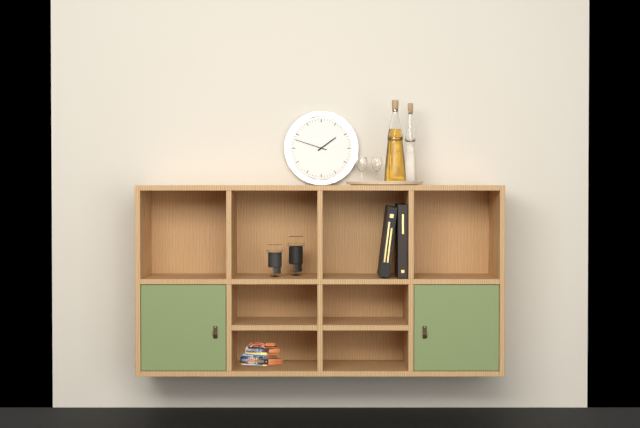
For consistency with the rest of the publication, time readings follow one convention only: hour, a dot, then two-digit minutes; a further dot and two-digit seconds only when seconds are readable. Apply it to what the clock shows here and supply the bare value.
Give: 1.48
